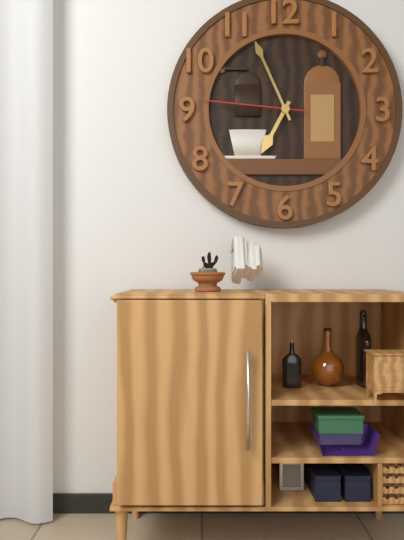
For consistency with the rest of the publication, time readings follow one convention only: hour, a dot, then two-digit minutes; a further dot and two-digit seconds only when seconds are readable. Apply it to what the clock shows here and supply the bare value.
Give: 6.56.46
